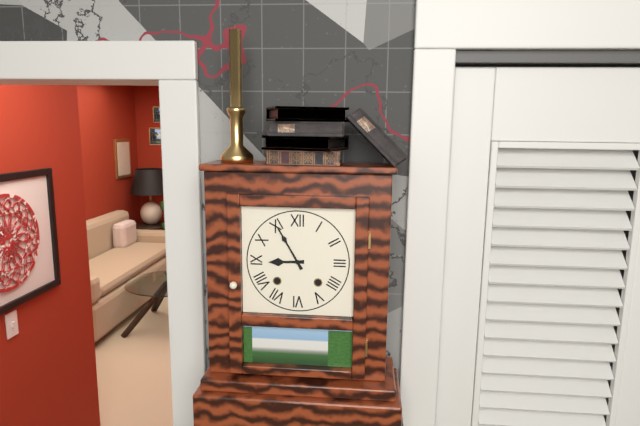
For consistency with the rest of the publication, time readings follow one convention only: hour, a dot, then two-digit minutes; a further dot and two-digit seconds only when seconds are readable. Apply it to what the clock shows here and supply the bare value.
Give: 8.55
